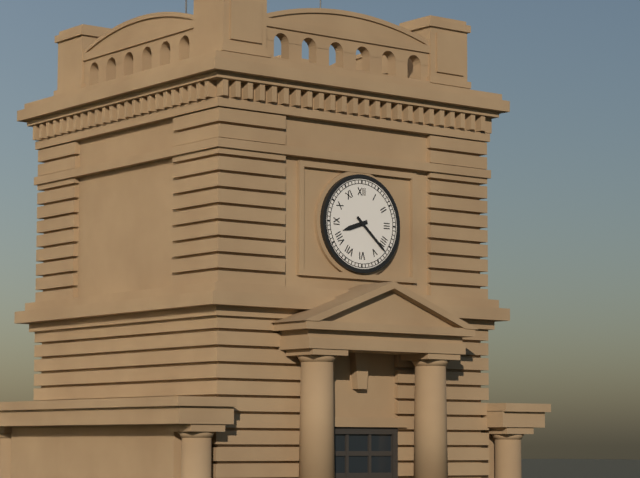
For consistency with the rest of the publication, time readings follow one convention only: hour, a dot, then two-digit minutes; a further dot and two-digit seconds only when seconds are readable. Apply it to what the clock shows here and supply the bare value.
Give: 8.22
